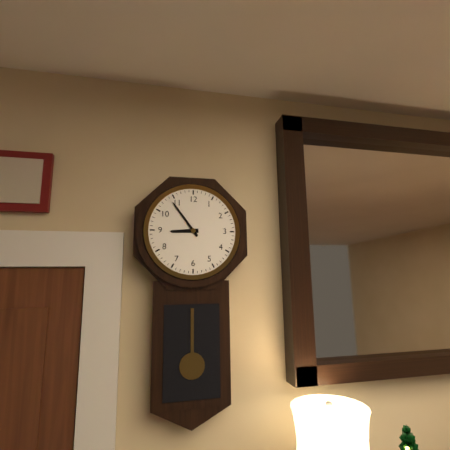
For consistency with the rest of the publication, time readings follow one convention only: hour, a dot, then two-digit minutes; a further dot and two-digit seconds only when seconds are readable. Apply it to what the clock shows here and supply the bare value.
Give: 8.54
